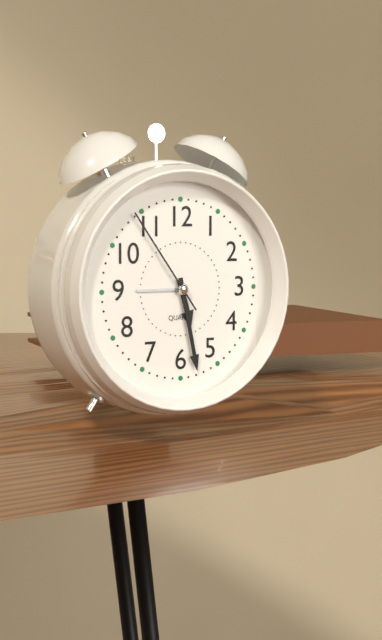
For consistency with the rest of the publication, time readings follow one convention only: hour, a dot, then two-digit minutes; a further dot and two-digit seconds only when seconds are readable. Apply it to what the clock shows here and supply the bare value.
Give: 5.28.54
